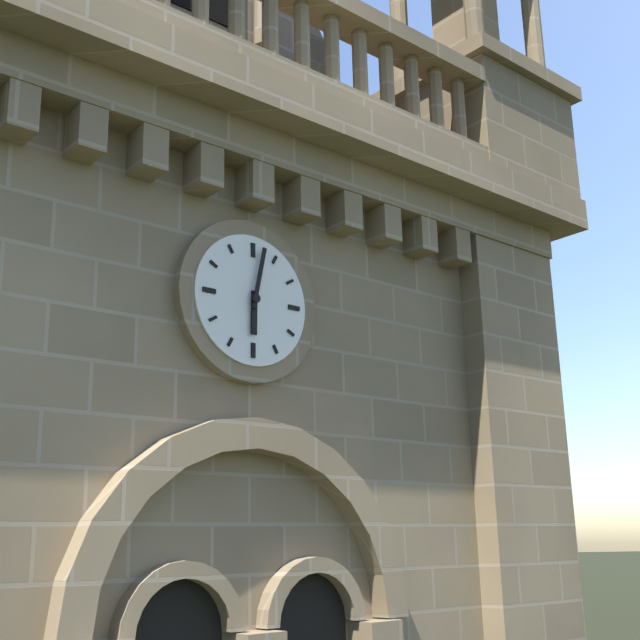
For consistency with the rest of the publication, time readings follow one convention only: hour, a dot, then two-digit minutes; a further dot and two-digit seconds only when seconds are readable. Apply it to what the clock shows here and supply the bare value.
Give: 6.02
